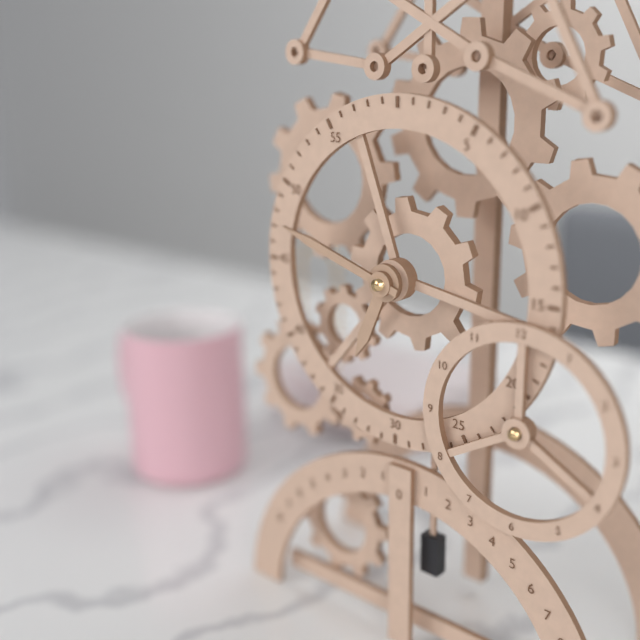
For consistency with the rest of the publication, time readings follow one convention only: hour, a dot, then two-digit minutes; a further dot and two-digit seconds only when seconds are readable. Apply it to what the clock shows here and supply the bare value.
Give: 6.48
